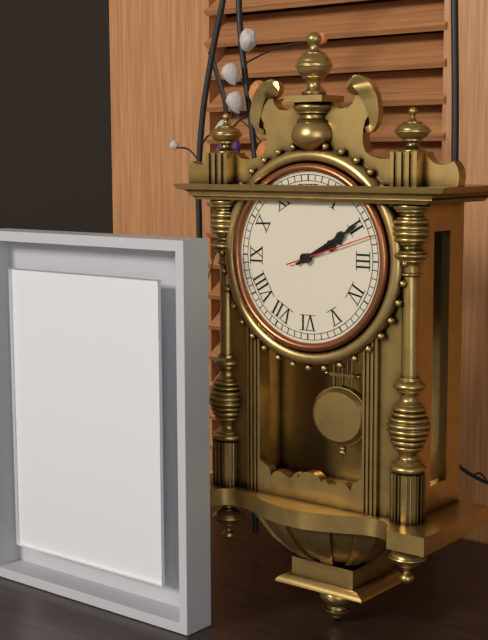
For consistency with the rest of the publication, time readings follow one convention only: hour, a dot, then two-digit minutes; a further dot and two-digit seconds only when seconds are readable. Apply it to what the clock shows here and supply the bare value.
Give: 2.10.12
